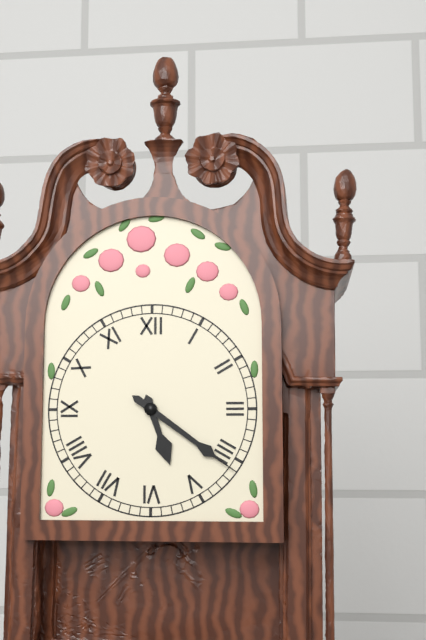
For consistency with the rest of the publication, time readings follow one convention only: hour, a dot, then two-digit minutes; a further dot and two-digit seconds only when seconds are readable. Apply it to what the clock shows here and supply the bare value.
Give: 5.21
